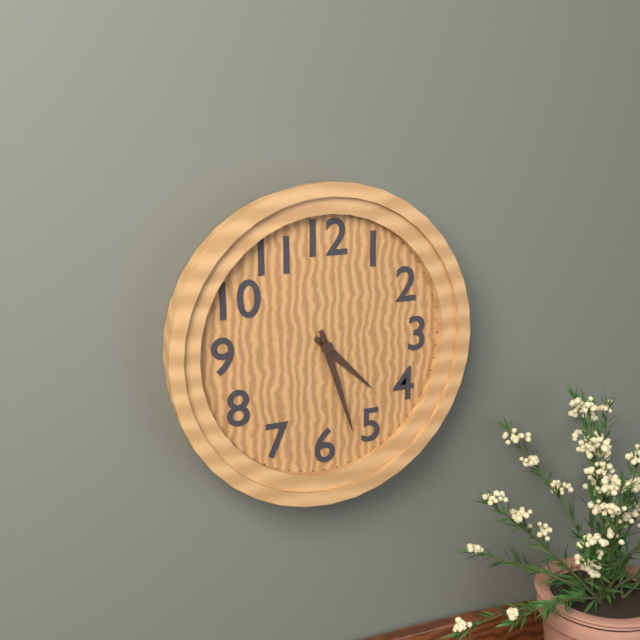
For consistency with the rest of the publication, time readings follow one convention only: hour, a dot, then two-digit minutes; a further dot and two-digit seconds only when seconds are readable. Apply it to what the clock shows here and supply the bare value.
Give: 4.27
